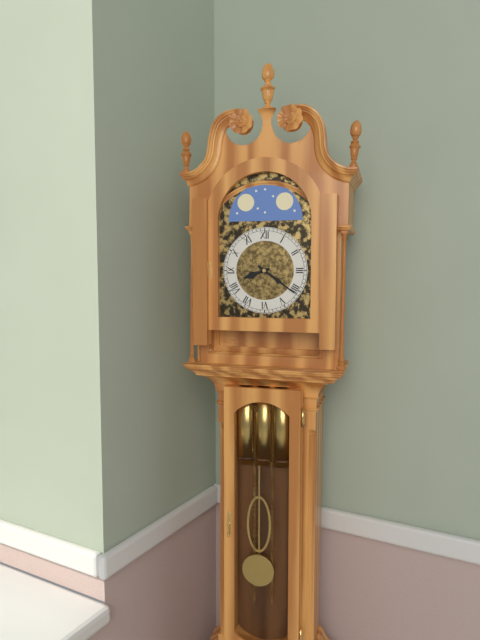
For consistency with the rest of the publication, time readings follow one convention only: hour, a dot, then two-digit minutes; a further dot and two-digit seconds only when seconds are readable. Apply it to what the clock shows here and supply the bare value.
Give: 8.21
